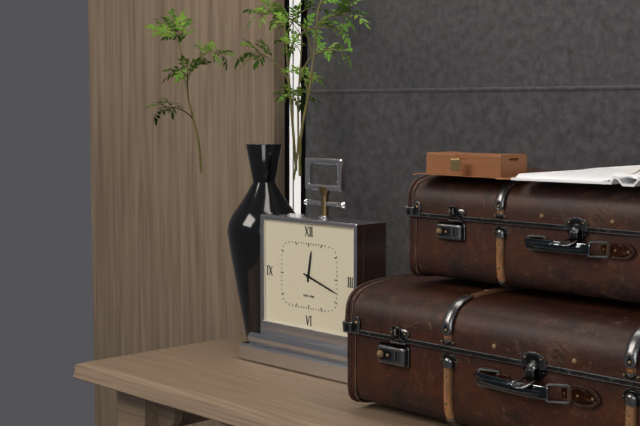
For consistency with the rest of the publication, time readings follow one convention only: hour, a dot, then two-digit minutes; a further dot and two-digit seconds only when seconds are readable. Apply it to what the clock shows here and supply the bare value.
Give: 12.18
